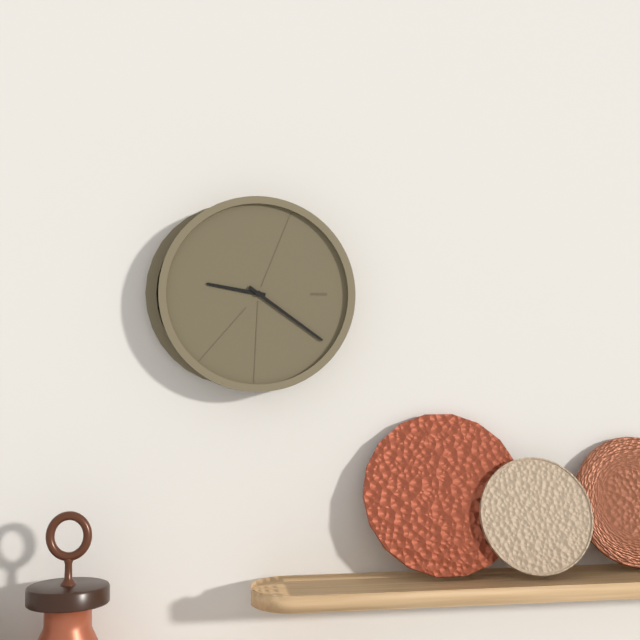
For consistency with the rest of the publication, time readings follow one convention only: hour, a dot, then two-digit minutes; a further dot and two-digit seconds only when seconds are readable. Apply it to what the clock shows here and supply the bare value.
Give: 9.21
